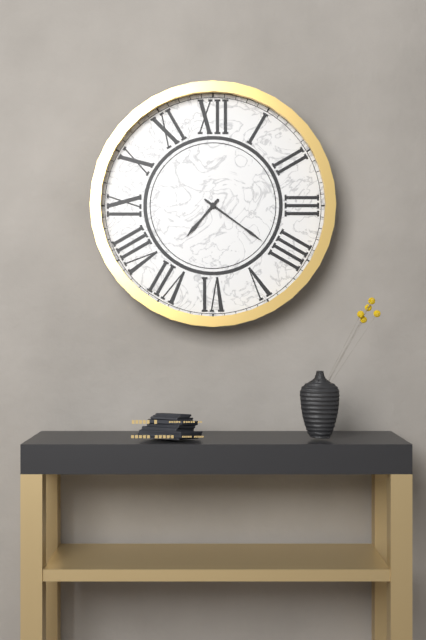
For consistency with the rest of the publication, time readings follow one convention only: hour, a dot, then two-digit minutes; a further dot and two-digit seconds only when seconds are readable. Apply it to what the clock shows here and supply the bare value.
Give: 7.21
